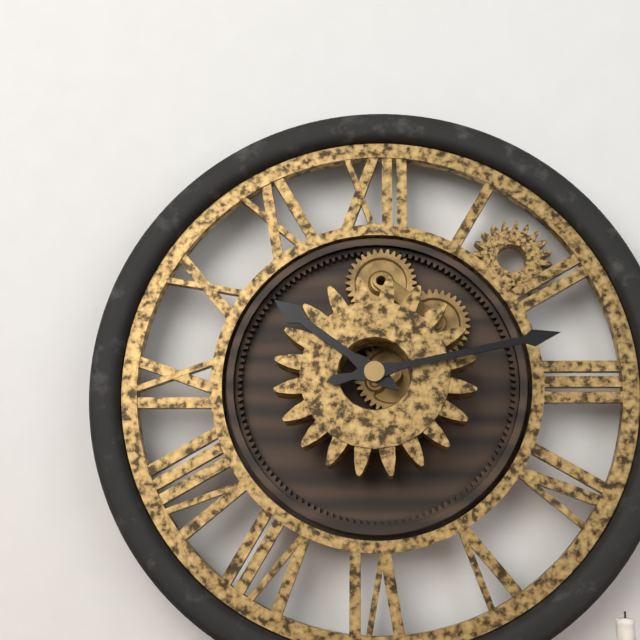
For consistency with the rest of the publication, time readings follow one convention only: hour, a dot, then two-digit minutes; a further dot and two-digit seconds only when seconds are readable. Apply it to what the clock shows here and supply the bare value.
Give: 10.13
